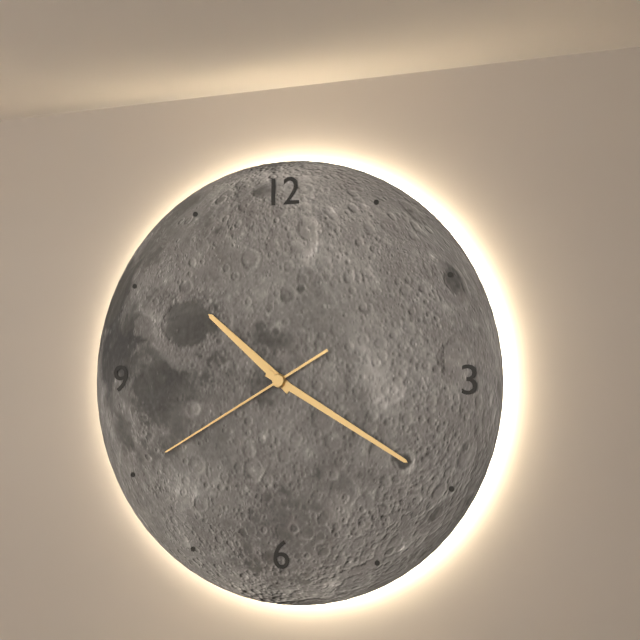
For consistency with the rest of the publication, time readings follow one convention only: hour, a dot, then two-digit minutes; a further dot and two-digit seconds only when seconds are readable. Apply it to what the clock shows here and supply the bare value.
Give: 10.20.40
